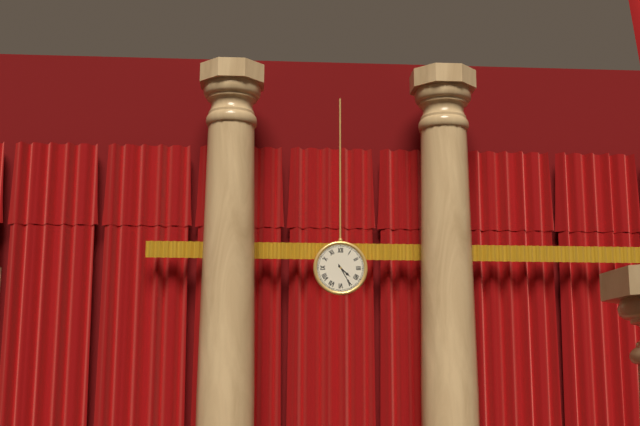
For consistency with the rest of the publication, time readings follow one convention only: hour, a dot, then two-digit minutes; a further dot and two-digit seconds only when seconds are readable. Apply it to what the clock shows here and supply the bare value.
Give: 4.25
